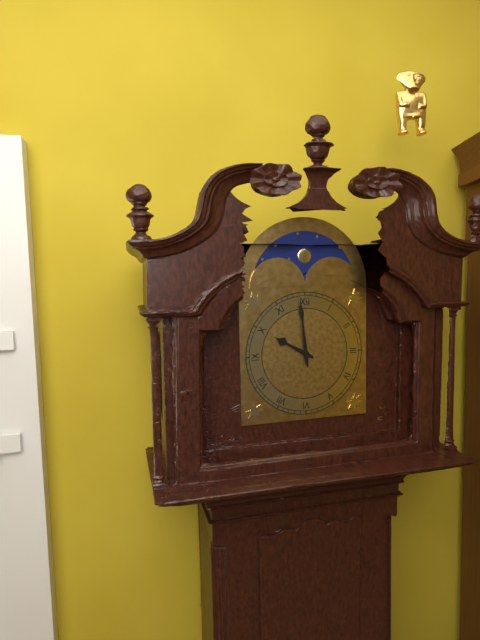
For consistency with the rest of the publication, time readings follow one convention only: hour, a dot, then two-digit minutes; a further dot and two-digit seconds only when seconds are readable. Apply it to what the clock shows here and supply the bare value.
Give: 9.59
